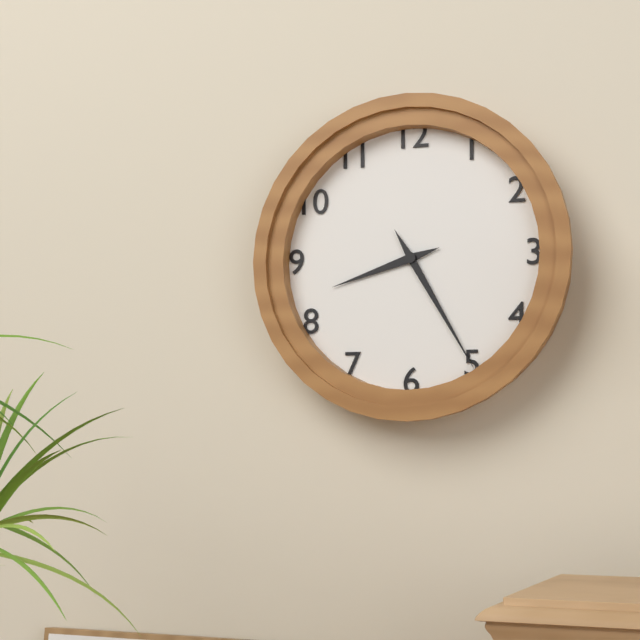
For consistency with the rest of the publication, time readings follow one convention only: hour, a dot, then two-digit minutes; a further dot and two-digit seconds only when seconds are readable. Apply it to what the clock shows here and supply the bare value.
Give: 8.25
